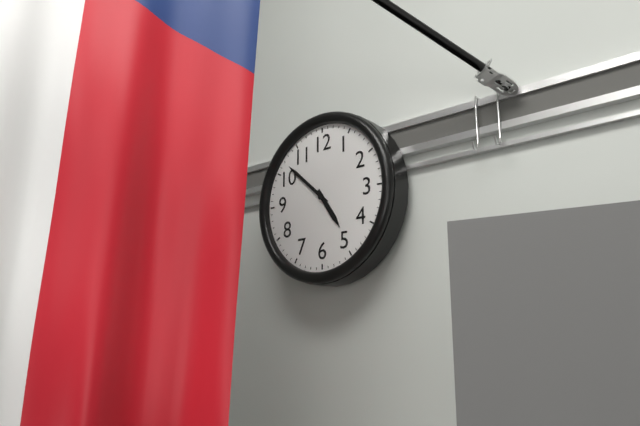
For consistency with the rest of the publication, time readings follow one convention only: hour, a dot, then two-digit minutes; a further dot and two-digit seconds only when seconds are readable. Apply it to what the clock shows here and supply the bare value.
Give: 4.52
